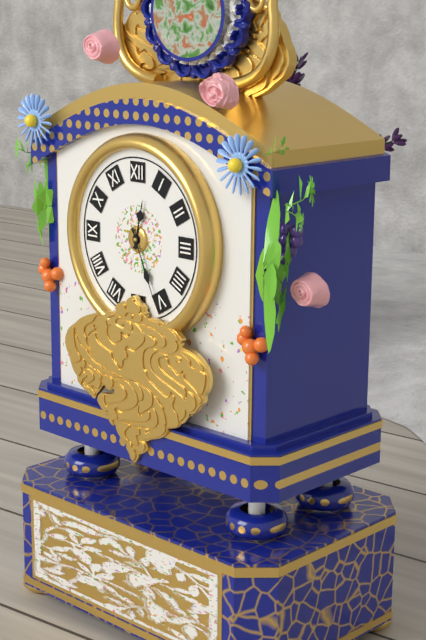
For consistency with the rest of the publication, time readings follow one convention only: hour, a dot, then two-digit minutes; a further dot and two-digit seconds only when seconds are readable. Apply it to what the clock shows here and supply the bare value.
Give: 12.26
